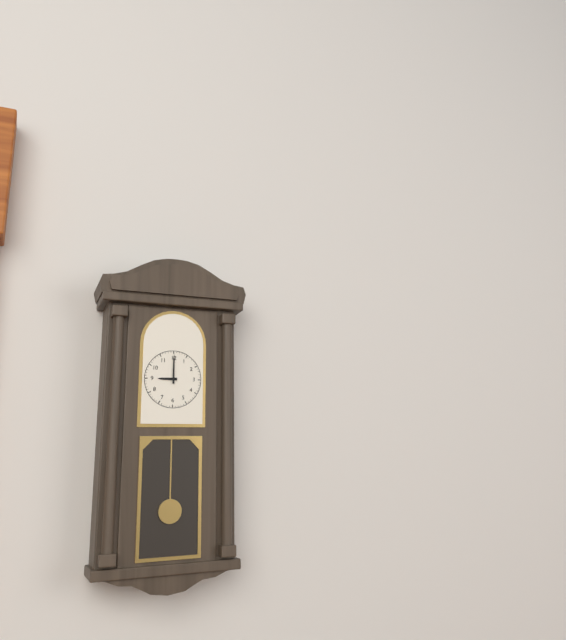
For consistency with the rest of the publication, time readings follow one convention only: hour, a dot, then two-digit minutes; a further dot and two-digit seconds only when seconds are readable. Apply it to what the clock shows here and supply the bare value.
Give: 9.00
